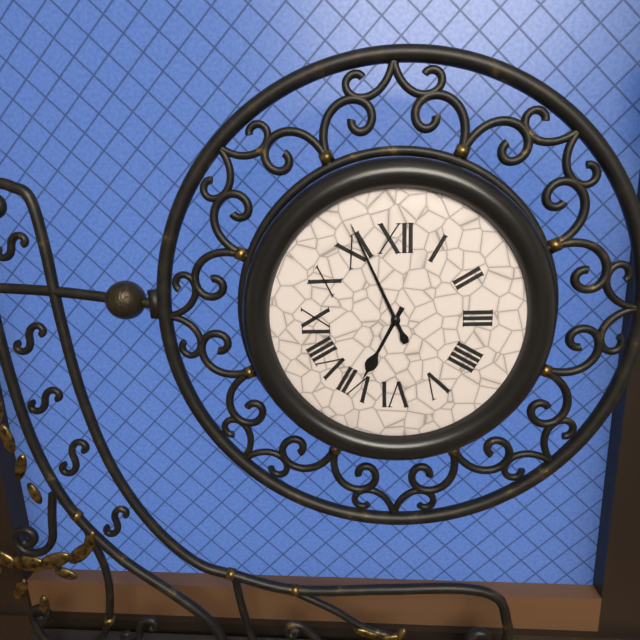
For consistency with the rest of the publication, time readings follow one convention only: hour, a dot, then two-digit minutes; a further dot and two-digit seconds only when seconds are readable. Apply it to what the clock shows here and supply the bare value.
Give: 6.56
